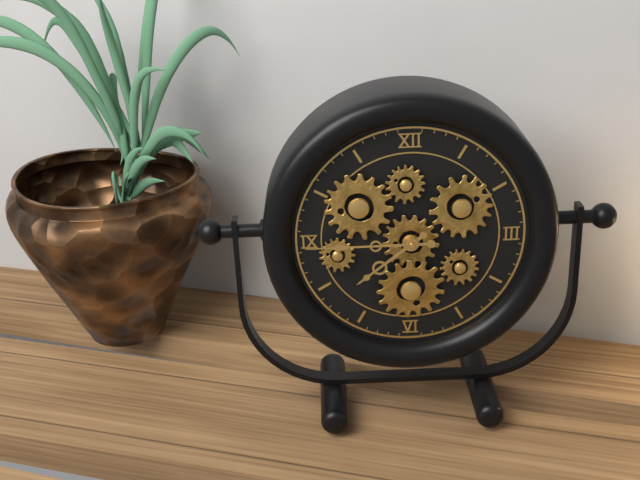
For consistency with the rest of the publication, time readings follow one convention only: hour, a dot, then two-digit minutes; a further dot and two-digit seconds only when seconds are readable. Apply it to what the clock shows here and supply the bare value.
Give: 7.45
